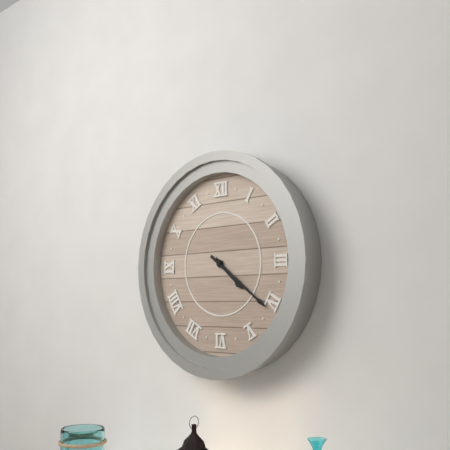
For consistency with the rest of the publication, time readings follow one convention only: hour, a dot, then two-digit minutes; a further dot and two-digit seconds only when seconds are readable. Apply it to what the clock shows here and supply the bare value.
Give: 4.21
